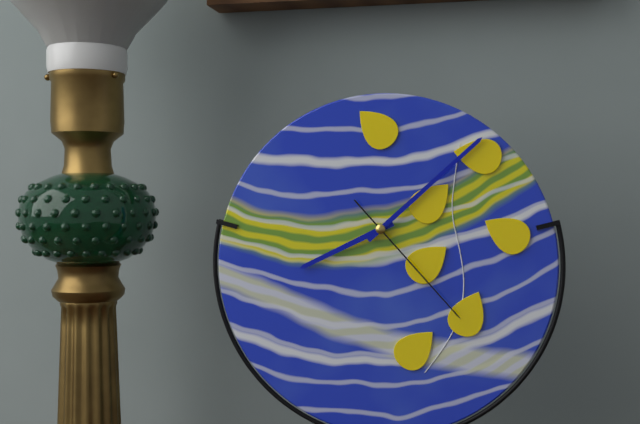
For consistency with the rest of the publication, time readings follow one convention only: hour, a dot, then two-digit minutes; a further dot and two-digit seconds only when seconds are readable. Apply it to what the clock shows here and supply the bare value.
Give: 8.08.23
